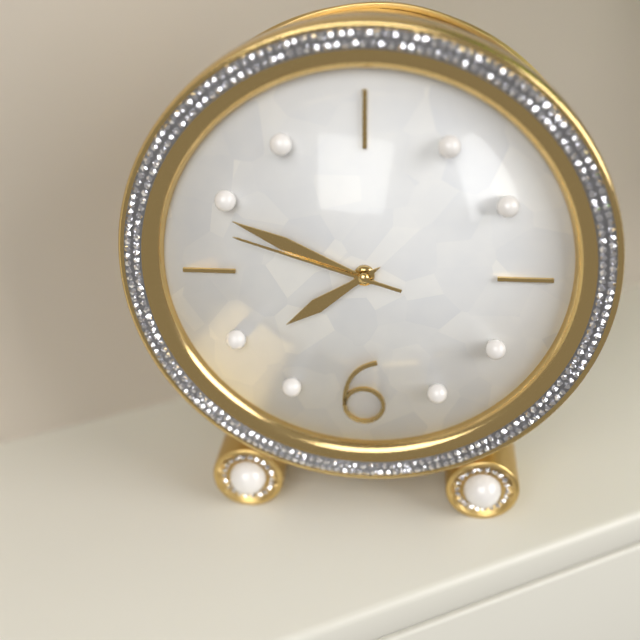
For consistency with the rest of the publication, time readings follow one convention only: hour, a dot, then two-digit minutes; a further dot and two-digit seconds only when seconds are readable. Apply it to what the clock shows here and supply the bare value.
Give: 7.49.48
